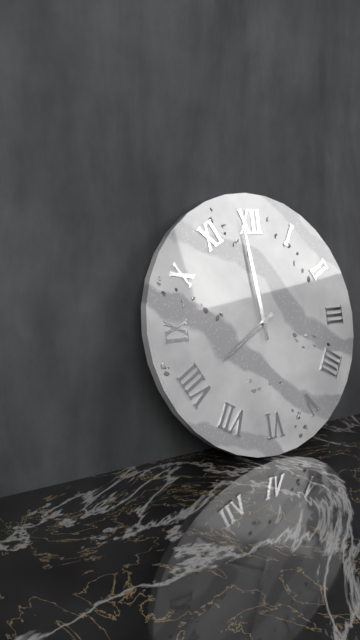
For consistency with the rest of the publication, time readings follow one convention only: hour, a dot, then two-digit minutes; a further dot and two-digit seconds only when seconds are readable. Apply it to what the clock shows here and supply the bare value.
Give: 7.59
